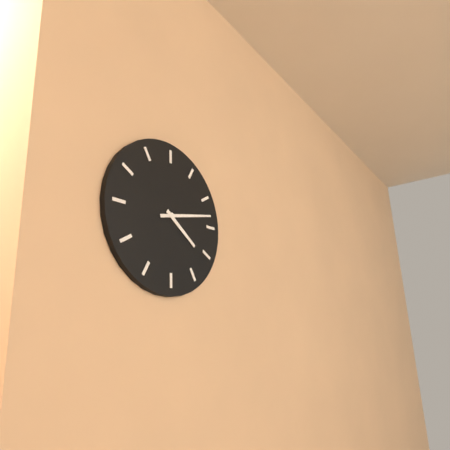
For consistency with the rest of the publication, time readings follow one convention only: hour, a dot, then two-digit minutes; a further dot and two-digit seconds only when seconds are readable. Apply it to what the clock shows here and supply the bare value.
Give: 4.13
